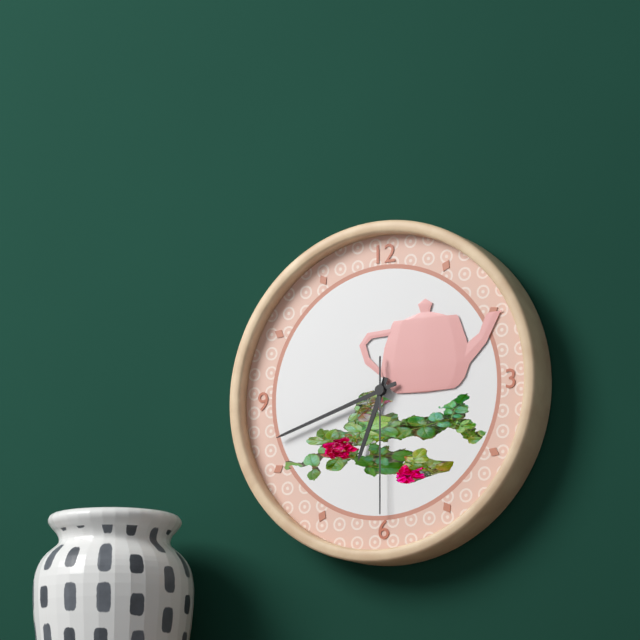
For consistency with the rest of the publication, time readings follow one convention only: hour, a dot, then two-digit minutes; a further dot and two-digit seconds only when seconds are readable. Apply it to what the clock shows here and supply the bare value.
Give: 6.42.30
